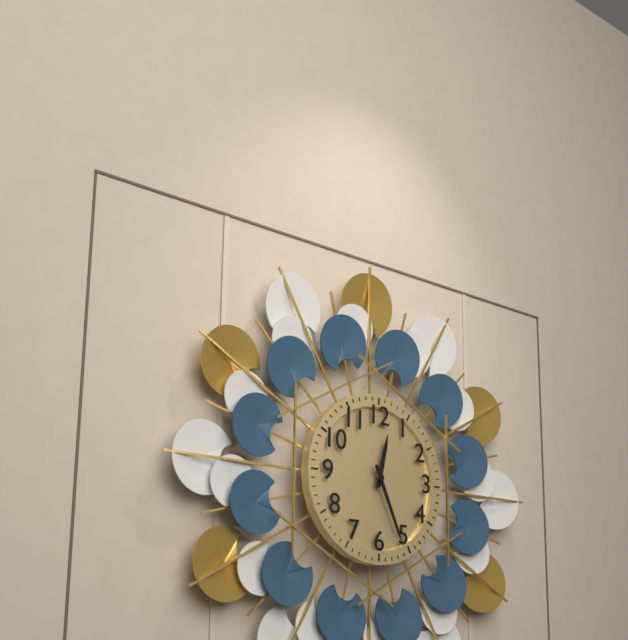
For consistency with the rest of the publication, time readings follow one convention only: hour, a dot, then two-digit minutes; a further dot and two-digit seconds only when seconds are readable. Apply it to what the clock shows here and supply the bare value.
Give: 12.26
